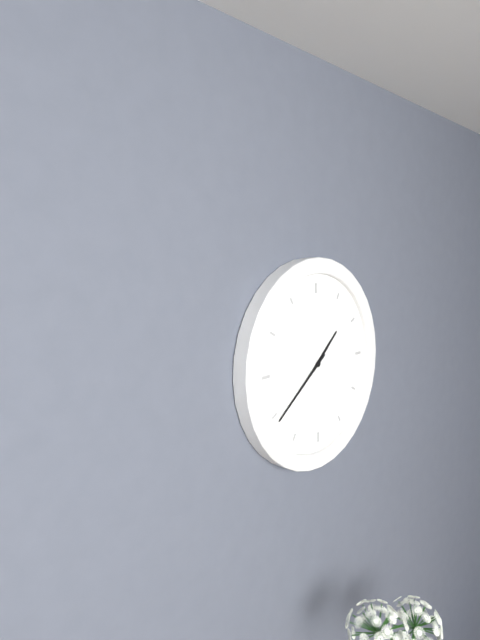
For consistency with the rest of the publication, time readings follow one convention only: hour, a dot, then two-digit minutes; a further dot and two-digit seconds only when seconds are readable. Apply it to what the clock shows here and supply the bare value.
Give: 1.39
